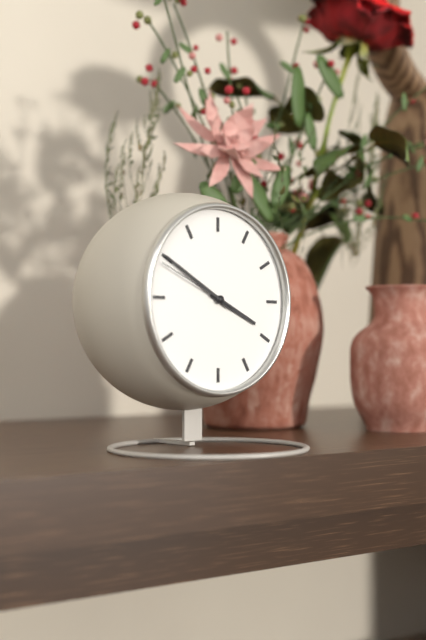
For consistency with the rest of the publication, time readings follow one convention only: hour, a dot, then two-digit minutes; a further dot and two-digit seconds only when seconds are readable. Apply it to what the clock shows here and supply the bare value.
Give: 3.50.49
